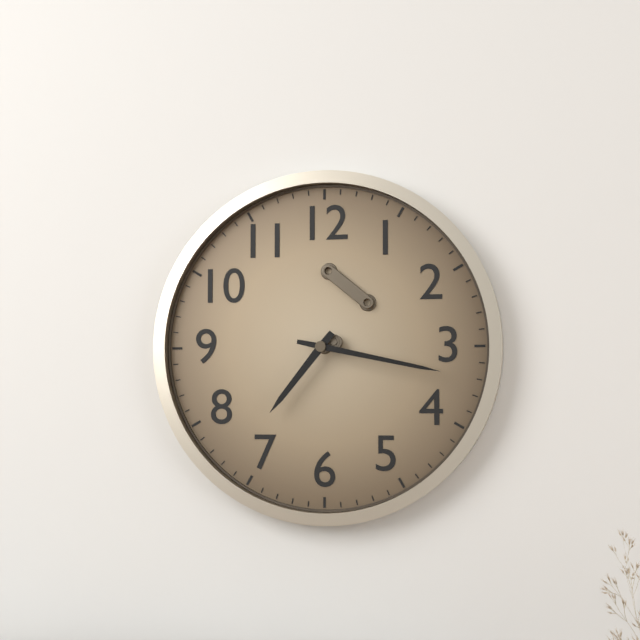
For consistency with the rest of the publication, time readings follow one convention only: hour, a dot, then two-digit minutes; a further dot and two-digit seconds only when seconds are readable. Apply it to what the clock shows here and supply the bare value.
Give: 7.17
